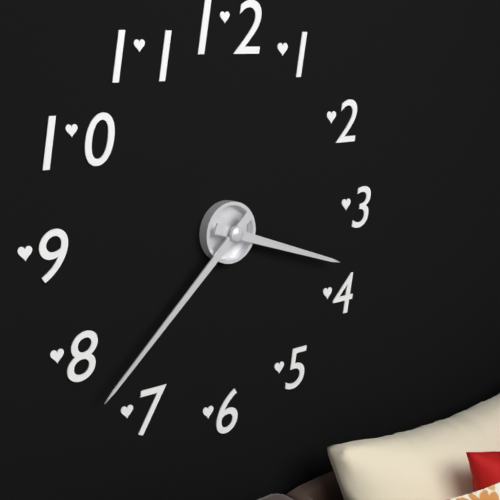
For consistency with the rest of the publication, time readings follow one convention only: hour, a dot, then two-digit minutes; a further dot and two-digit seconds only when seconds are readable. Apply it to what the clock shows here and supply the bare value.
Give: 3.38
